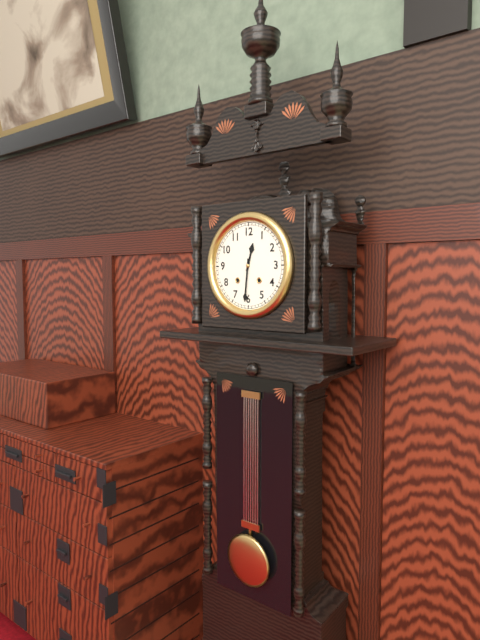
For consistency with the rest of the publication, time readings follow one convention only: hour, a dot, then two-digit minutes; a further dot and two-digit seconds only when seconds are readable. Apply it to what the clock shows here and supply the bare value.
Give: 12.31
